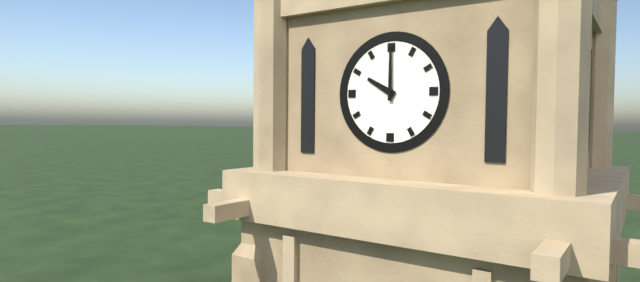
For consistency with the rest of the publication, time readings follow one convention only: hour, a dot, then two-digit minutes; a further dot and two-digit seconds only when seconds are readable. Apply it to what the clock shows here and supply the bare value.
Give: 10.00
